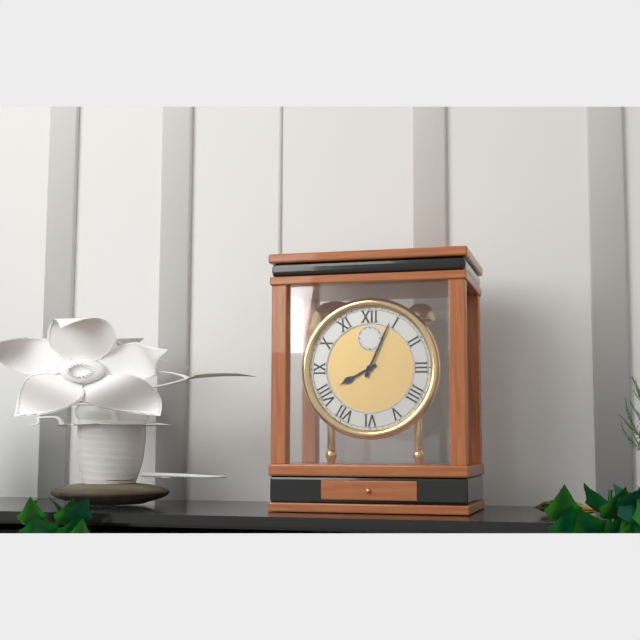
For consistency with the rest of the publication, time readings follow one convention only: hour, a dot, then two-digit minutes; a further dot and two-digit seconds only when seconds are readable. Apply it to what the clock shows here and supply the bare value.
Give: 8.04
